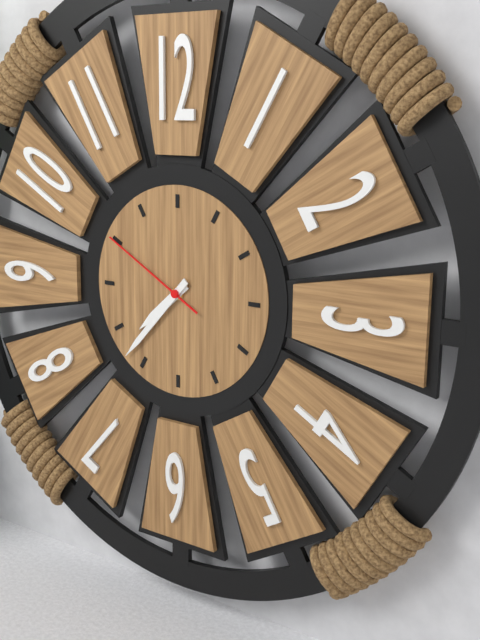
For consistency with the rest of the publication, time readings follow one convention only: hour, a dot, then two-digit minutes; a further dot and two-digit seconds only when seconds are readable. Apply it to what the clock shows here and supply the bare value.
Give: 7.37.50
